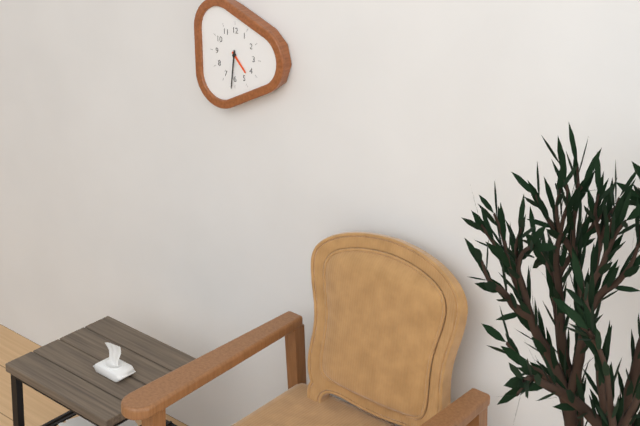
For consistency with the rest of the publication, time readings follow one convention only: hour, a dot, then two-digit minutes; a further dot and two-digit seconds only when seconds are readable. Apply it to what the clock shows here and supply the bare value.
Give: 4.31
